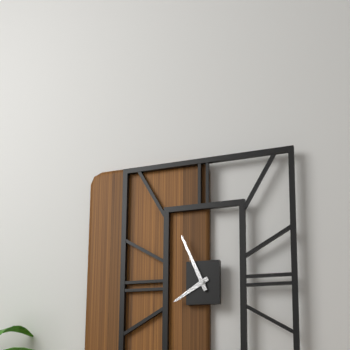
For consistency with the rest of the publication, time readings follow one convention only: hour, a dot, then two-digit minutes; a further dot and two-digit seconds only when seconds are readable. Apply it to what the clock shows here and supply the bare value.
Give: 7.56
